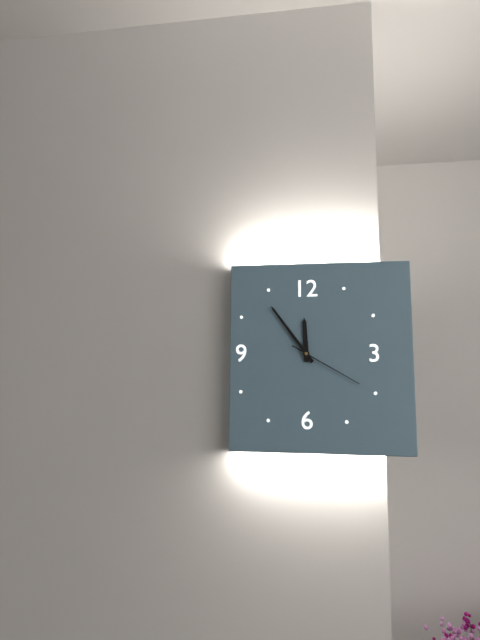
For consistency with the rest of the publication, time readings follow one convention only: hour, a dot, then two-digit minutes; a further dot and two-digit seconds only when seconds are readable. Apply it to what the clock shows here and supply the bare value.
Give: 11.54.20
